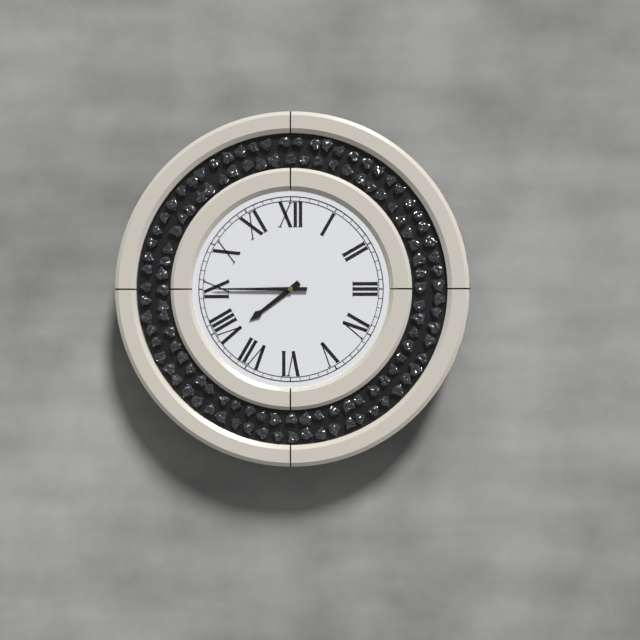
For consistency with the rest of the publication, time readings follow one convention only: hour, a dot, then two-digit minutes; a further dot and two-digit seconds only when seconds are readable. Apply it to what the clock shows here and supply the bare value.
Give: 7.45
